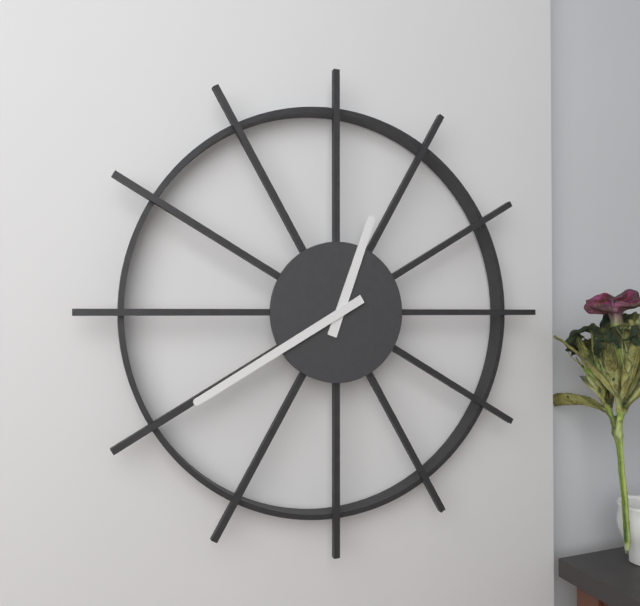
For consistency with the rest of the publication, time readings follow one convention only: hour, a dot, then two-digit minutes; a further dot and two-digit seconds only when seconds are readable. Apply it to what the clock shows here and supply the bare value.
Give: 12.40
